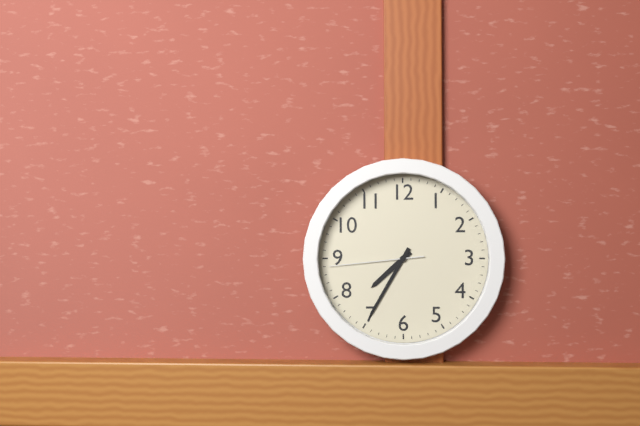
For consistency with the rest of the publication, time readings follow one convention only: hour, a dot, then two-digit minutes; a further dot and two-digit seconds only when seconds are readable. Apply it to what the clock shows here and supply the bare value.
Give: 7.35.44
